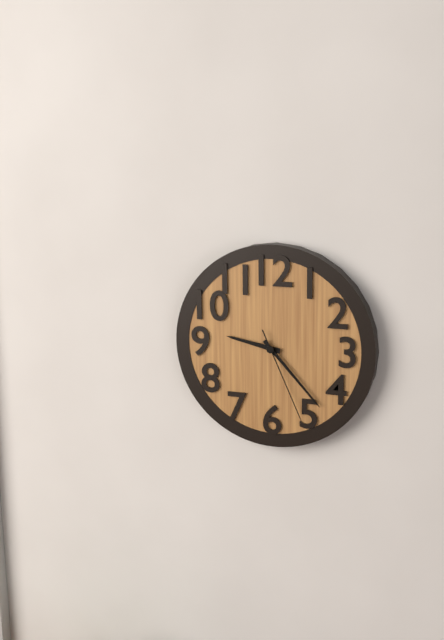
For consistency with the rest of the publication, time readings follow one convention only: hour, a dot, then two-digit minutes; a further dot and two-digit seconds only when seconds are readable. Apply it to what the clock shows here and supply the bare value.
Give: 9.23.26
